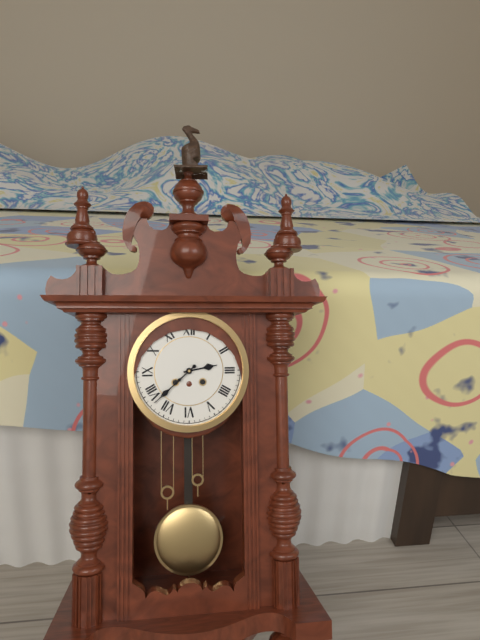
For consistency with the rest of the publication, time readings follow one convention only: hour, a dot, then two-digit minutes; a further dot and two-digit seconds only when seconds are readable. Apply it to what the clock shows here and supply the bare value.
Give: 2.38
